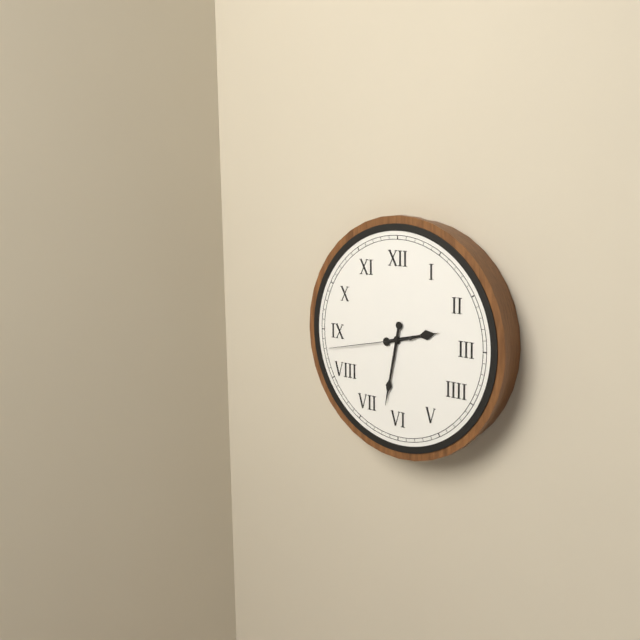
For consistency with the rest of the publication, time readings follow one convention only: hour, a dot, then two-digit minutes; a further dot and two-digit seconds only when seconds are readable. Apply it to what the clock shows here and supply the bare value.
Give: 2.32.43
